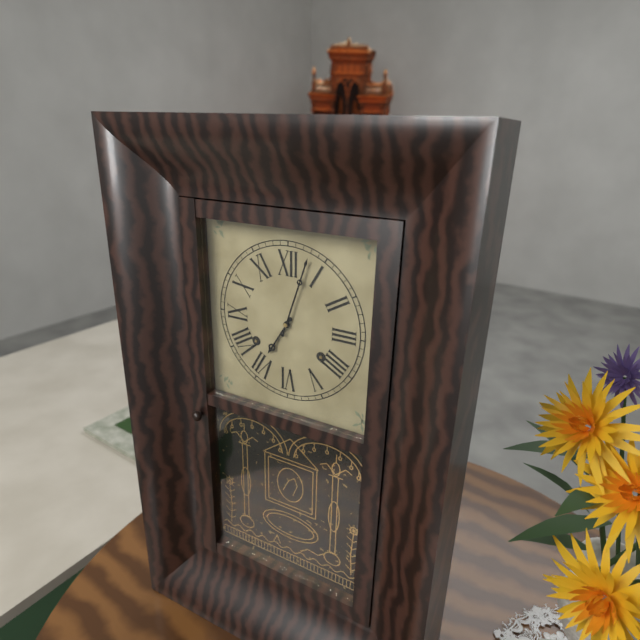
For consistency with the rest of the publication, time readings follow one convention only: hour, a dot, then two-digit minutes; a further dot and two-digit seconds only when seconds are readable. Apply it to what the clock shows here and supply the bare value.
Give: 7.03
